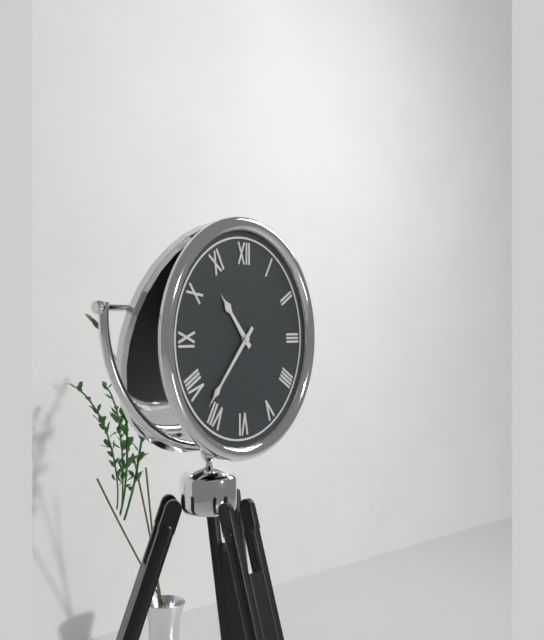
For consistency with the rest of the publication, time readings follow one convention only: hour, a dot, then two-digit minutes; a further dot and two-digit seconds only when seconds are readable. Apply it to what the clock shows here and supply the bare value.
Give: 10.37
